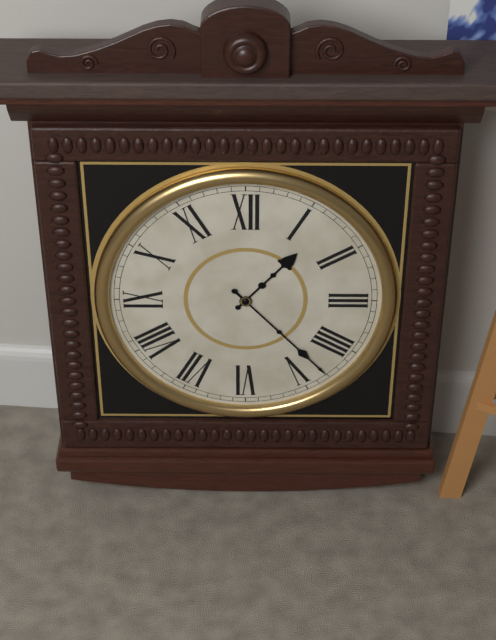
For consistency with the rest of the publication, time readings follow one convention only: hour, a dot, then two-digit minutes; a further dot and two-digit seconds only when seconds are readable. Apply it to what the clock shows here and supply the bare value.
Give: 1.23
